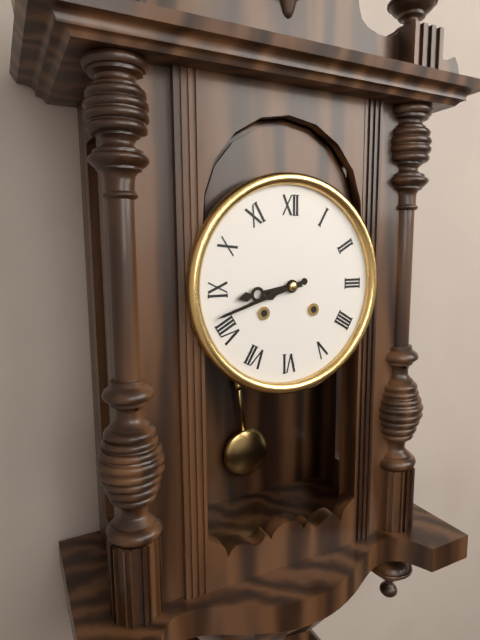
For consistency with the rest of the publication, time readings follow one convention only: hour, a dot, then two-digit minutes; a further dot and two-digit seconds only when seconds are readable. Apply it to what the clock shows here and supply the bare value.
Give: 8.42
